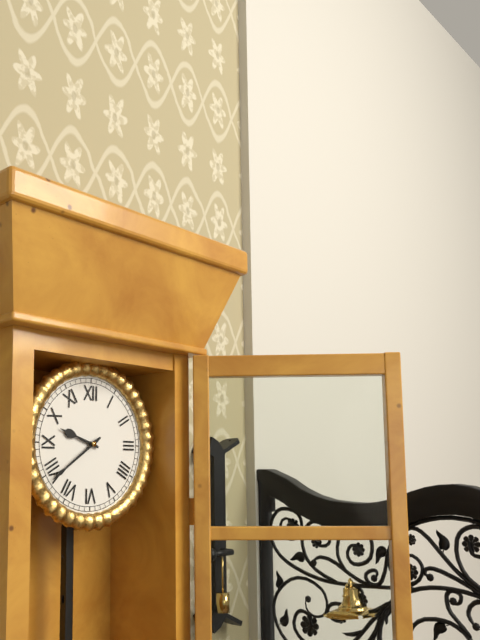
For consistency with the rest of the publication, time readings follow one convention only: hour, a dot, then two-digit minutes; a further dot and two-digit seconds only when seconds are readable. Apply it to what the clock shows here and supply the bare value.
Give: 9.39
